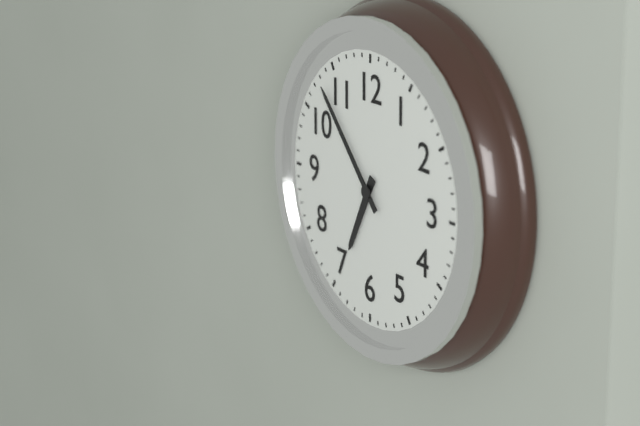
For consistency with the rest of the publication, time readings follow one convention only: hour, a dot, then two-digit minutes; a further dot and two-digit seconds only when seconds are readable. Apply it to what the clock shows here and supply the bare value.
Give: 6.53
